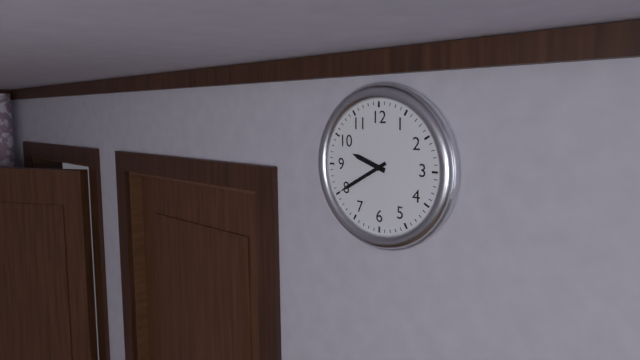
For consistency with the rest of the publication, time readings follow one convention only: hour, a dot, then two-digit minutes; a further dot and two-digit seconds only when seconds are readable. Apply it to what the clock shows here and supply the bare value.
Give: 9.40
